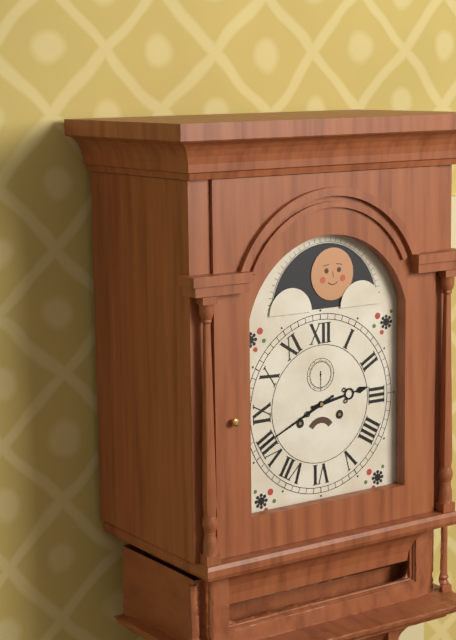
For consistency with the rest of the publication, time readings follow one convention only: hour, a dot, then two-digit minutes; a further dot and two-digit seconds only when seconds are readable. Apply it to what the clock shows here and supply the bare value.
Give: 2.41
